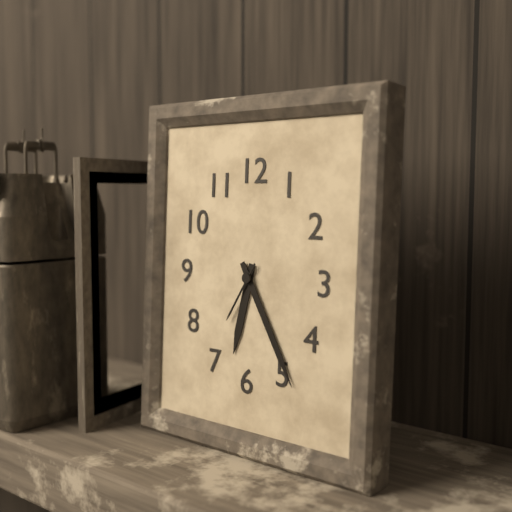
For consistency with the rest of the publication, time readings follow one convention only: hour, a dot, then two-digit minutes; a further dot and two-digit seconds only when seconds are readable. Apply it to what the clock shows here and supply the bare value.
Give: 6.25.35
